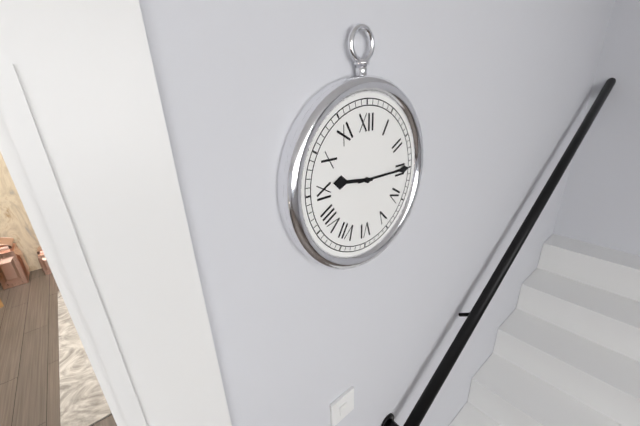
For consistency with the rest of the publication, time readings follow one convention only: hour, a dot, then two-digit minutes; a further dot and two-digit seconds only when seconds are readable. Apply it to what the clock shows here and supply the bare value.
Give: 9.15
